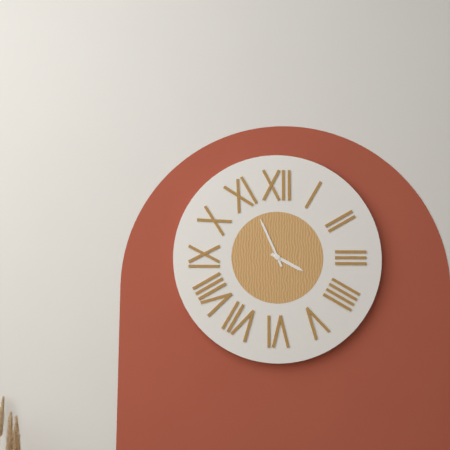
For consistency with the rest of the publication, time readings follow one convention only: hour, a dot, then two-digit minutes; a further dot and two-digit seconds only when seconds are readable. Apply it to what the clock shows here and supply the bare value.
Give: 3.56
